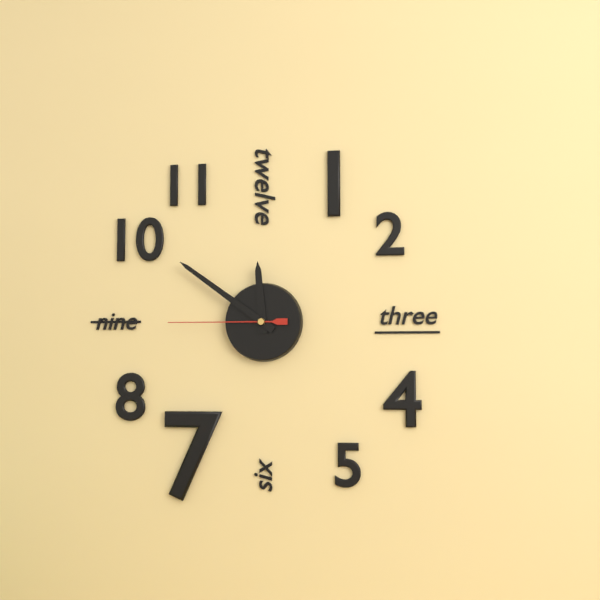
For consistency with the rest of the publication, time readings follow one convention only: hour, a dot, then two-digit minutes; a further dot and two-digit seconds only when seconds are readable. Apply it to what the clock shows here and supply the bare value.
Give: 11.51.45
